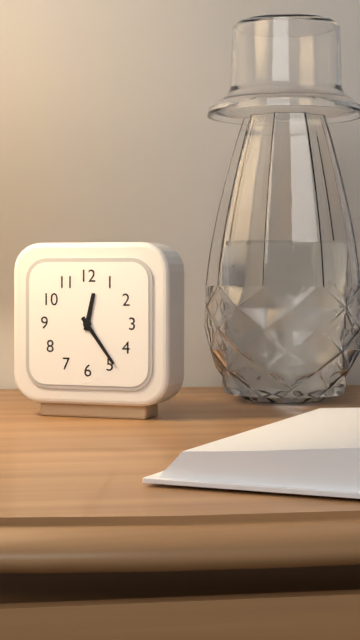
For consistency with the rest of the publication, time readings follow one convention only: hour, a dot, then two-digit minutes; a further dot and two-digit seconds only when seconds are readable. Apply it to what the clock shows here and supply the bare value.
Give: 12.24
